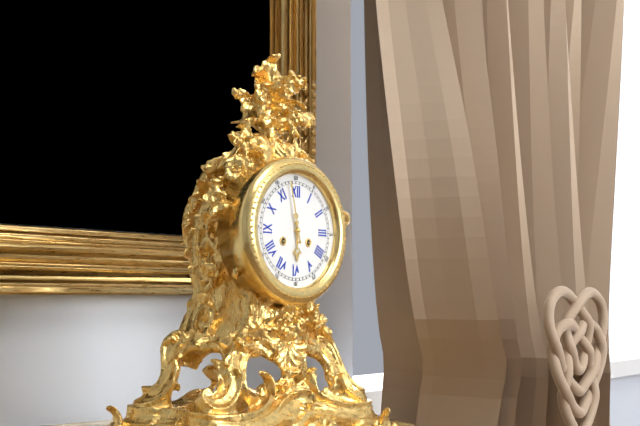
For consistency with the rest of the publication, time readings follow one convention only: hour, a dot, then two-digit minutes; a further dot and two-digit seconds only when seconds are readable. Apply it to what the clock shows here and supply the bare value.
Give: 5.58
